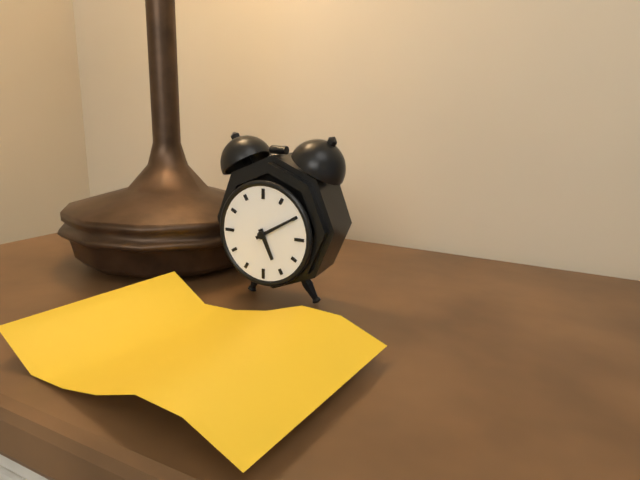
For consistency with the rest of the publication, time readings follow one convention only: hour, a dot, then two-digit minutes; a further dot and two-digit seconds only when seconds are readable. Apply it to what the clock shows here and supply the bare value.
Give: 5.10
